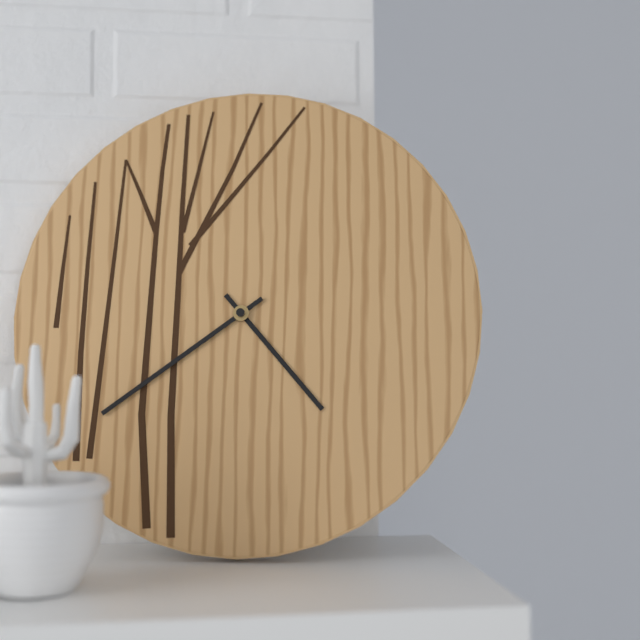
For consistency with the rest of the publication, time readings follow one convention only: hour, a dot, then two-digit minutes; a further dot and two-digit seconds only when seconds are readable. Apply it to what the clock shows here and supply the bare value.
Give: 4.39
